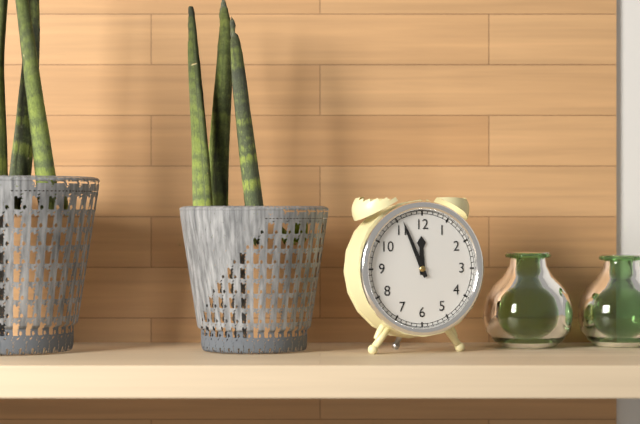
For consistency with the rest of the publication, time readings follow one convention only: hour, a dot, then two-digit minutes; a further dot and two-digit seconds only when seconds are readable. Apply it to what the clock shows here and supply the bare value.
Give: 11.56
